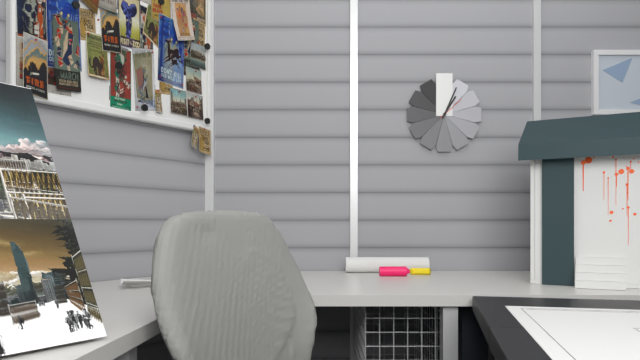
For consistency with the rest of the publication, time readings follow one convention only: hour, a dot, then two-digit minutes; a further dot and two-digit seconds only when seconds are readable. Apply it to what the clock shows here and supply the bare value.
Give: 1.04
